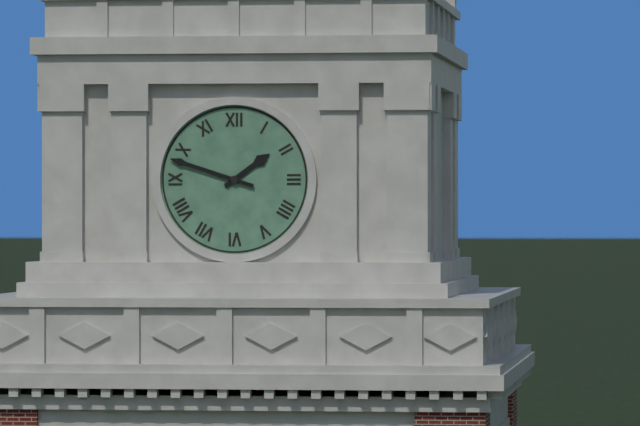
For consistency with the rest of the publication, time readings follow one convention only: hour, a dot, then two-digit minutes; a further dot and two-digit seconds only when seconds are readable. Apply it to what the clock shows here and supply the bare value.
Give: 1.48
